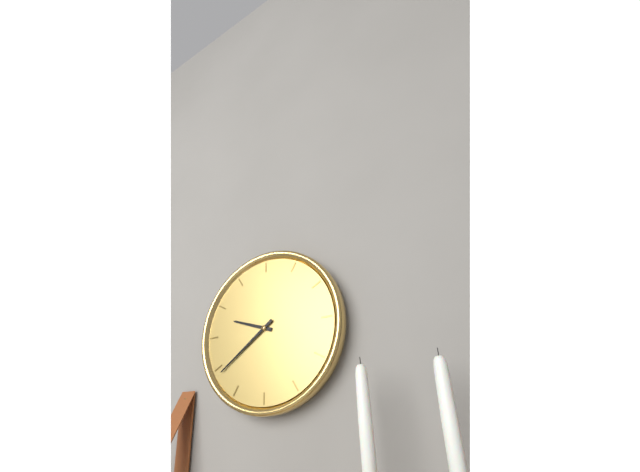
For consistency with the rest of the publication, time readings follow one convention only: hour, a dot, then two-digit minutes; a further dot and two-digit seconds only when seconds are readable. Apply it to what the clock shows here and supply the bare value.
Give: 9.39
